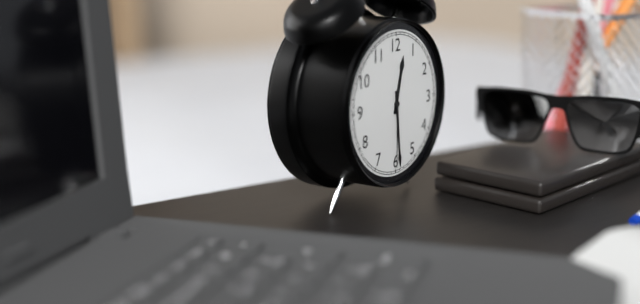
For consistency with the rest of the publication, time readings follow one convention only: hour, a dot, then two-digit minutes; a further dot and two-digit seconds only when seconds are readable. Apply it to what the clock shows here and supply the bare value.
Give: 12.29.30
